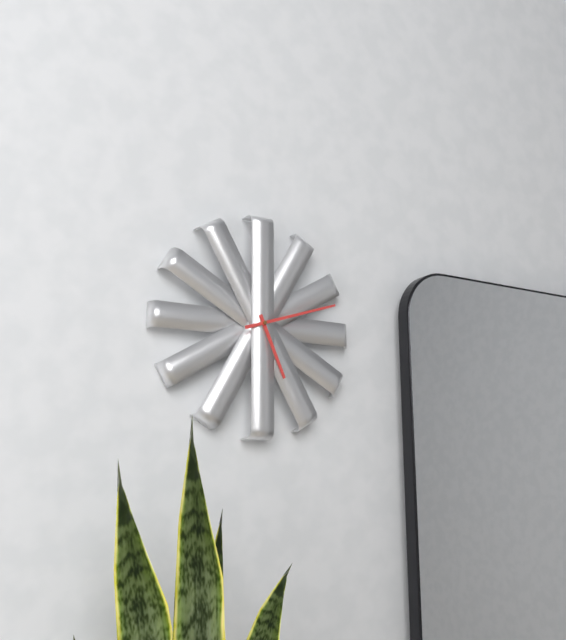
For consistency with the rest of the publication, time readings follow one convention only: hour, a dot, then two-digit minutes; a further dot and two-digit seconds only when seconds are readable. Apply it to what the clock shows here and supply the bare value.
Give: 5.12
